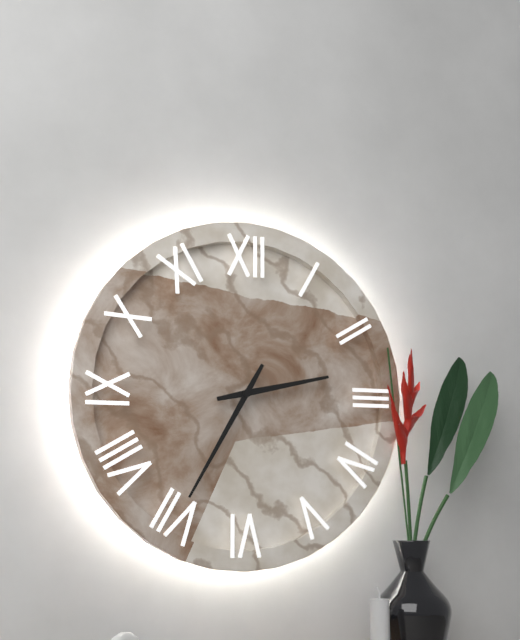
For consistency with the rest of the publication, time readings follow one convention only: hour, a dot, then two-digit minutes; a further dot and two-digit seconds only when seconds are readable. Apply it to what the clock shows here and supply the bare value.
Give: 2.35
